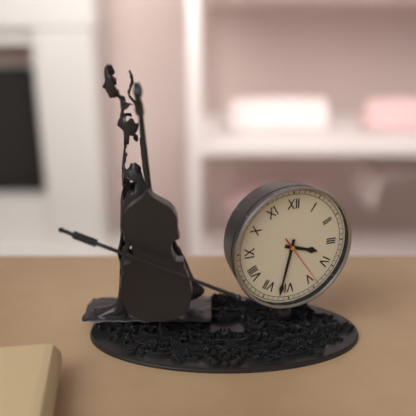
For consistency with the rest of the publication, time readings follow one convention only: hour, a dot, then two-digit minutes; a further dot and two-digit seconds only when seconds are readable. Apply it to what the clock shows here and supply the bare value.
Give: 3.32.24
